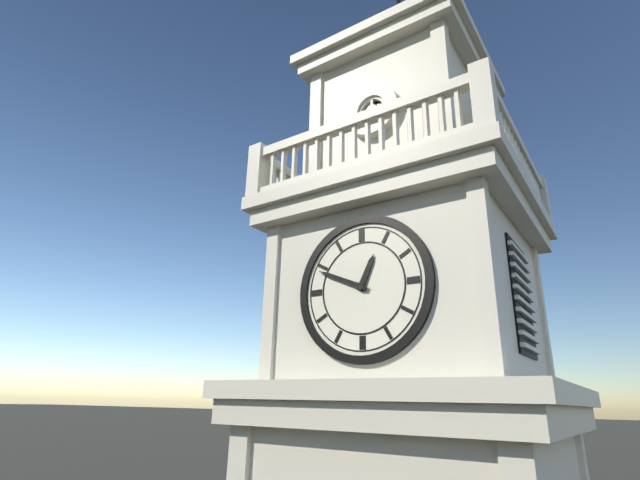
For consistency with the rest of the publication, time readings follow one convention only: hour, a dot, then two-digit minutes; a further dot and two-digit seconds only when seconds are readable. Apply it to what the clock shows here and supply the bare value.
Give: 12.49
